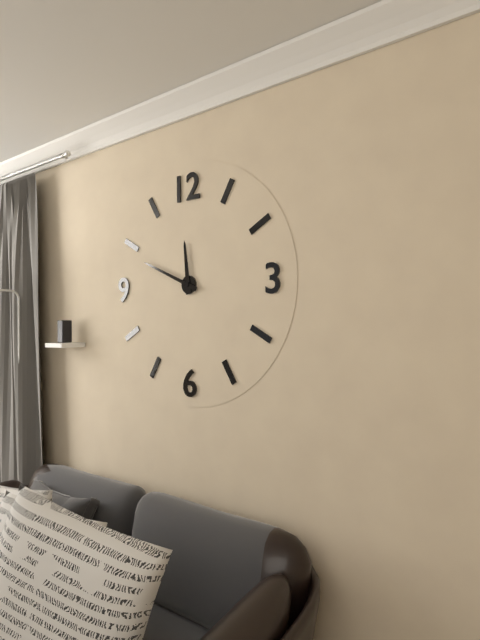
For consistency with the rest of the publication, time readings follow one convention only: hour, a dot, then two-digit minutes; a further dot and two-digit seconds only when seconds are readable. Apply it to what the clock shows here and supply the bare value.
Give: 11.49
